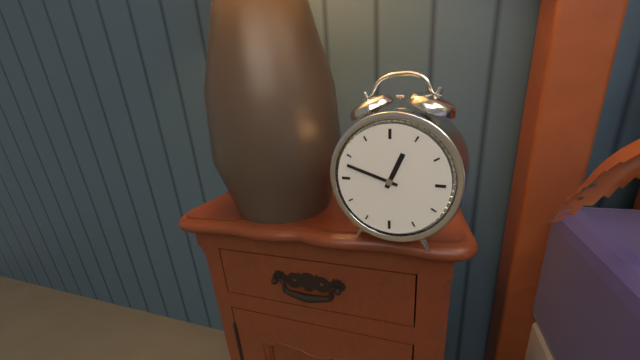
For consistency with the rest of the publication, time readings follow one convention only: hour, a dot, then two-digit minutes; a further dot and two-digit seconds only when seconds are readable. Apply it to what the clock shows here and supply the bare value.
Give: 12.48
